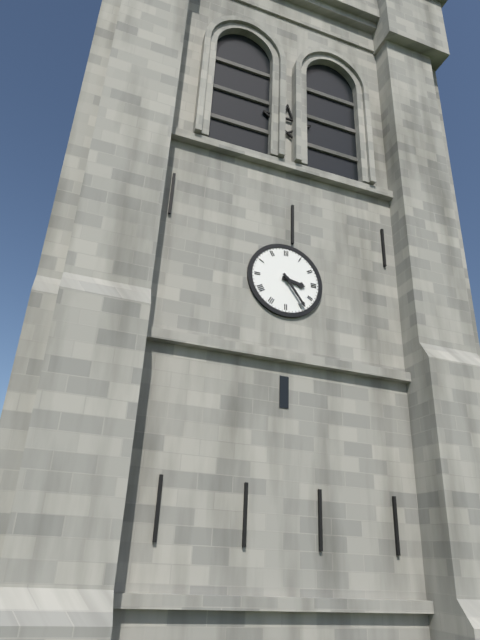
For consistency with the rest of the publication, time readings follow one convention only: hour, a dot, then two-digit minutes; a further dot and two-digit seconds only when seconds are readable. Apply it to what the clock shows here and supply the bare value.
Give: 3.24
